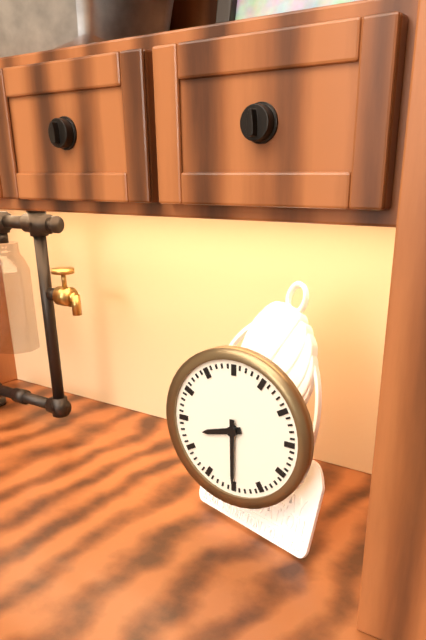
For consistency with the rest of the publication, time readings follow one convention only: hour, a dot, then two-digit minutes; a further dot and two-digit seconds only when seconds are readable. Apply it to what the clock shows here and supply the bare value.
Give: 8.30
